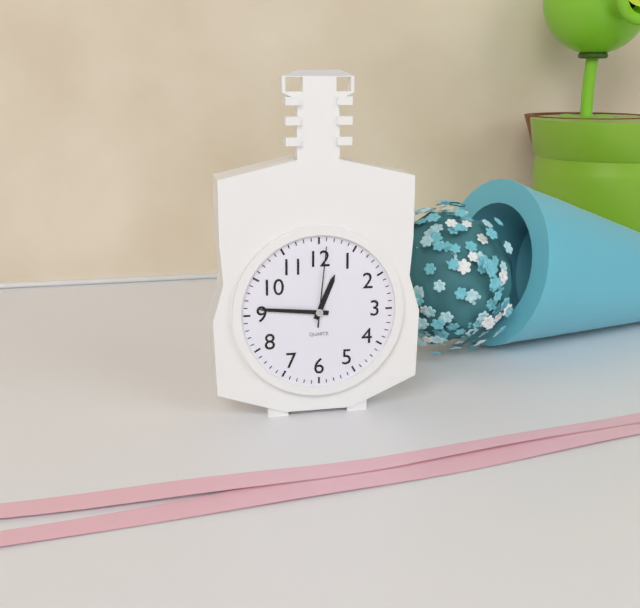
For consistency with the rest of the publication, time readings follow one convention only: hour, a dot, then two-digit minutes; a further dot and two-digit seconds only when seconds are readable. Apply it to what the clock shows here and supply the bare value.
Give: 12.46.01
